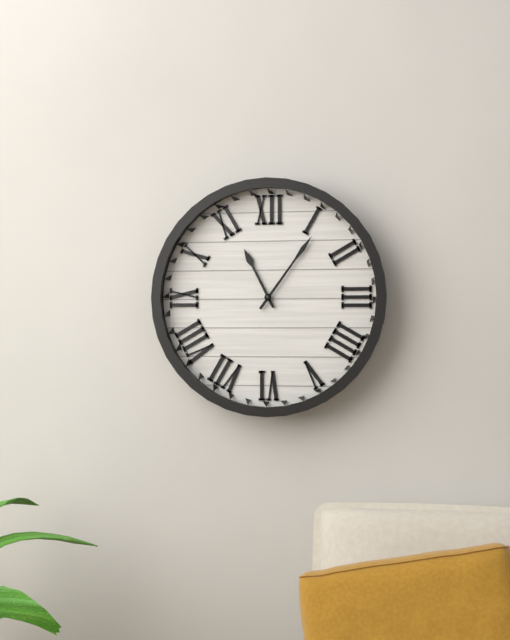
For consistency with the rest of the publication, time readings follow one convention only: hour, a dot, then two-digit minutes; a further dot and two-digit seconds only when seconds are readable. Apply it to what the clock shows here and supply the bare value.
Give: 11.06
